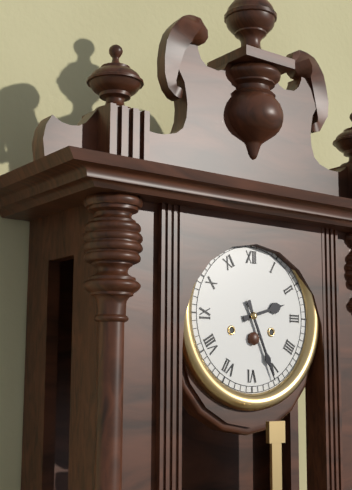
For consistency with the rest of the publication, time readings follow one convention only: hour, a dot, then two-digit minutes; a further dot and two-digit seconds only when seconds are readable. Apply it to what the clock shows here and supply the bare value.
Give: 2.26
